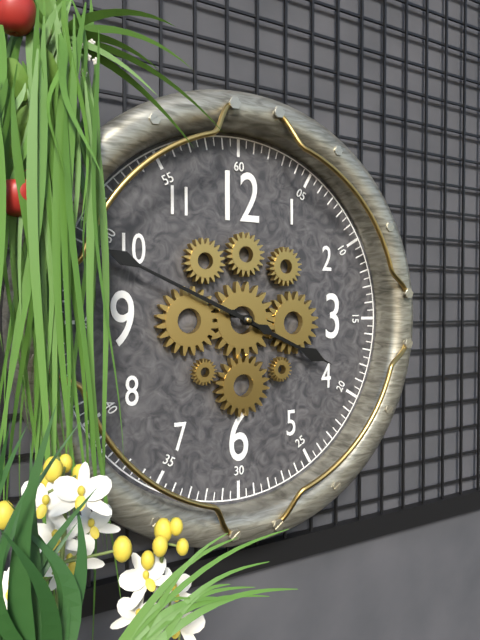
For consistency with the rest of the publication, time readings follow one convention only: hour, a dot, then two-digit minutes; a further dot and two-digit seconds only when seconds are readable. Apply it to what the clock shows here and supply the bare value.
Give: 3.49
